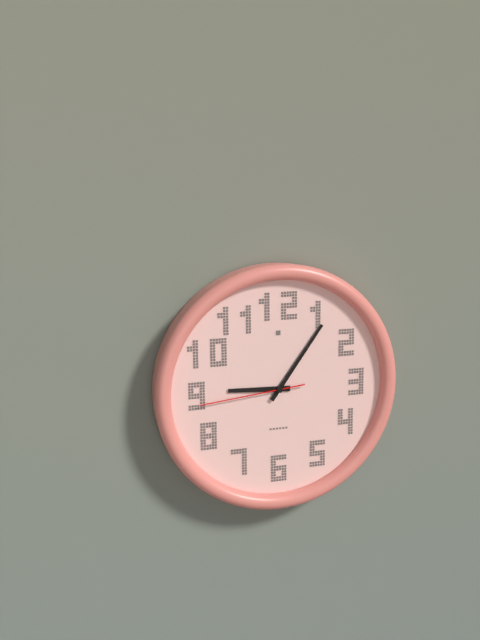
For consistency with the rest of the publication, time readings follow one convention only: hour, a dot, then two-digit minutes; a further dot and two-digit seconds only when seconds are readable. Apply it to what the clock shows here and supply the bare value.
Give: 9.06.44
